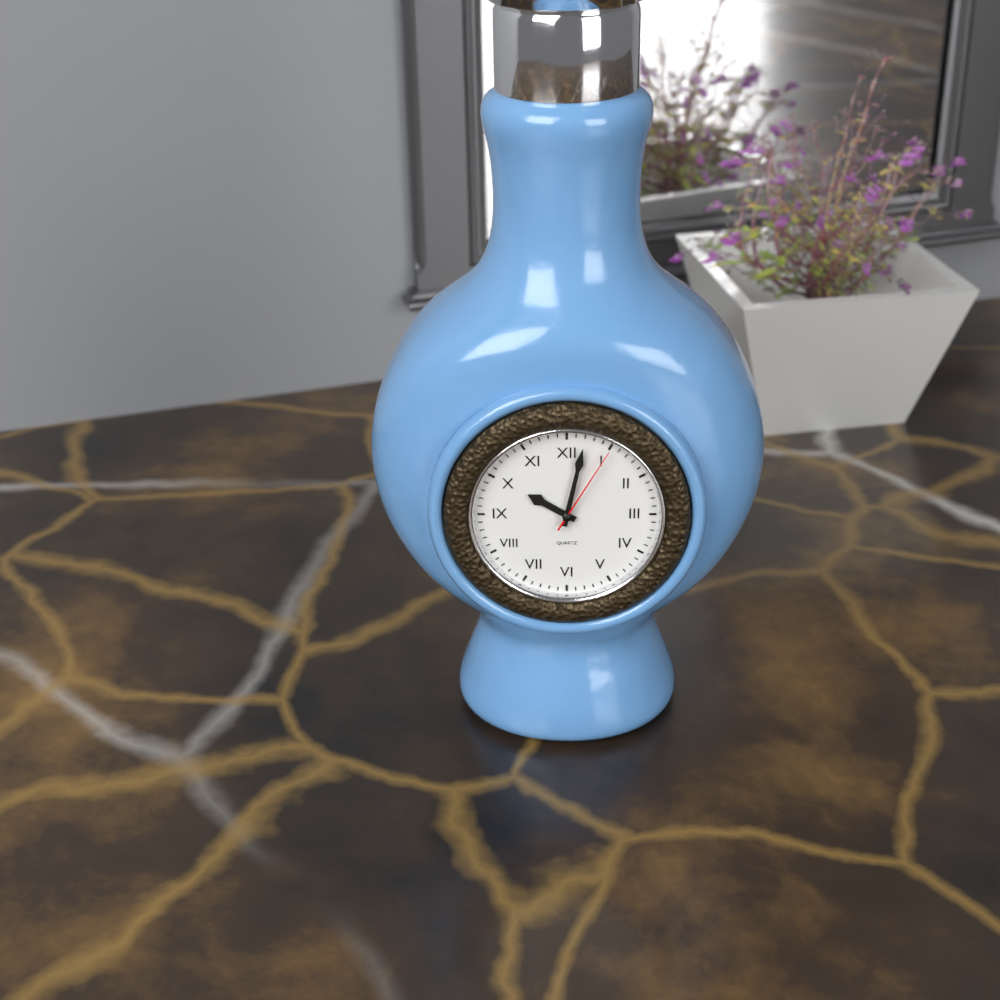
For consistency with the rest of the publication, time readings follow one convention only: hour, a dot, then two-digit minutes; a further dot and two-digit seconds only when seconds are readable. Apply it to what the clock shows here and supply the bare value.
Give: 10.02.05
